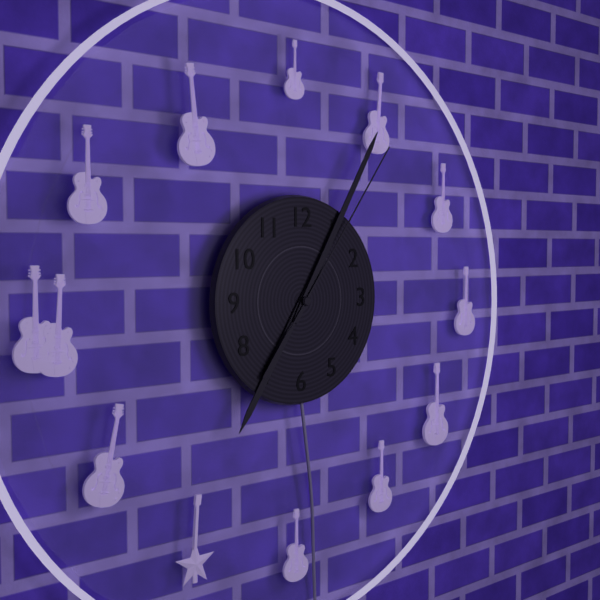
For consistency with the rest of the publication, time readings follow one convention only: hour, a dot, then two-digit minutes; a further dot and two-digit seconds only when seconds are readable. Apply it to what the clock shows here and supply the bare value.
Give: 7.05.06
